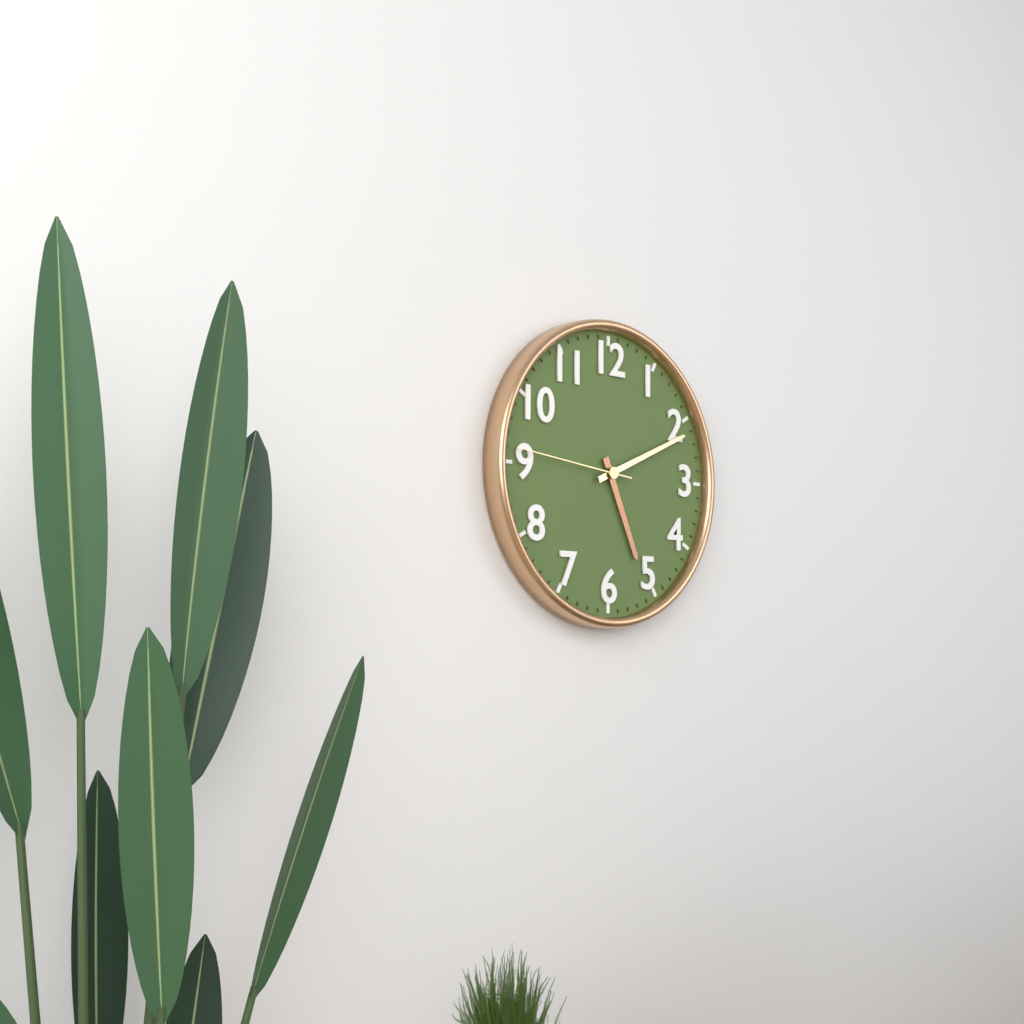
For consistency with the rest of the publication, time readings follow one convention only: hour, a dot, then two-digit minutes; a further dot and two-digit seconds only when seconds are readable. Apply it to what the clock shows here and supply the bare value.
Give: 5.11.46
